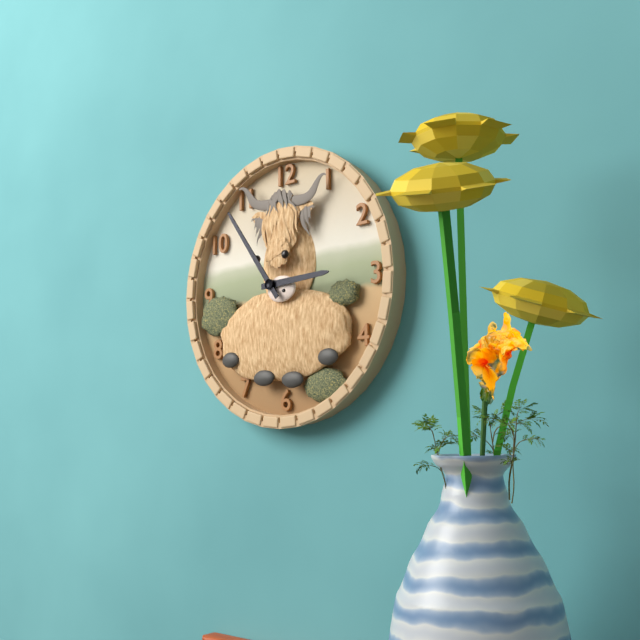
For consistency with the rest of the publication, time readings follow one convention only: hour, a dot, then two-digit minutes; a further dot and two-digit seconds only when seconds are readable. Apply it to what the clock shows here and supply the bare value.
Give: 2.54
